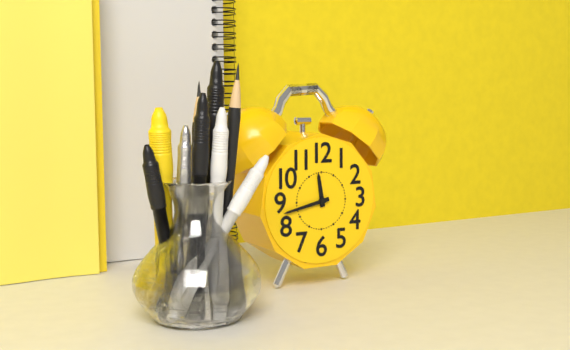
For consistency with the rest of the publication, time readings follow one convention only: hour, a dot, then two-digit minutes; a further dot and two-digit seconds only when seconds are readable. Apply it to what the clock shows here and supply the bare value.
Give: 11.43
